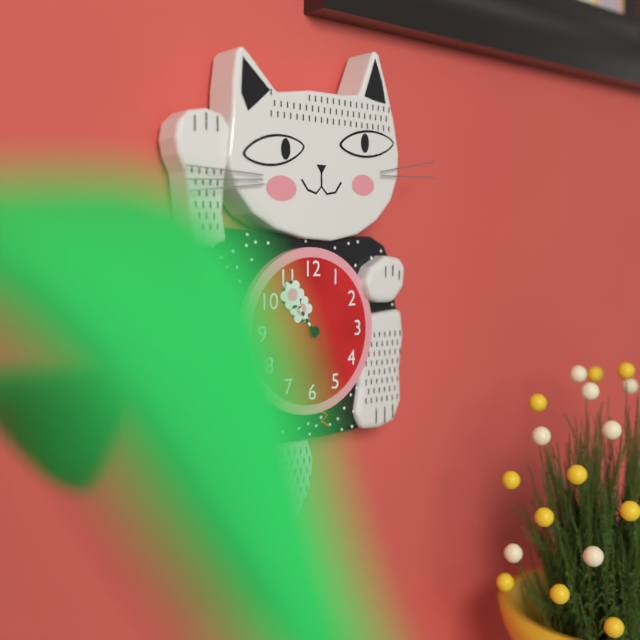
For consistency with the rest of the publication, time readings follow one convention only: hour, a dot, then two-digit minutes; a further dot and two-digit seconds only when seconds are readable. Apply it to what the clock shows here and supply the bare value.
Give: 10.54
